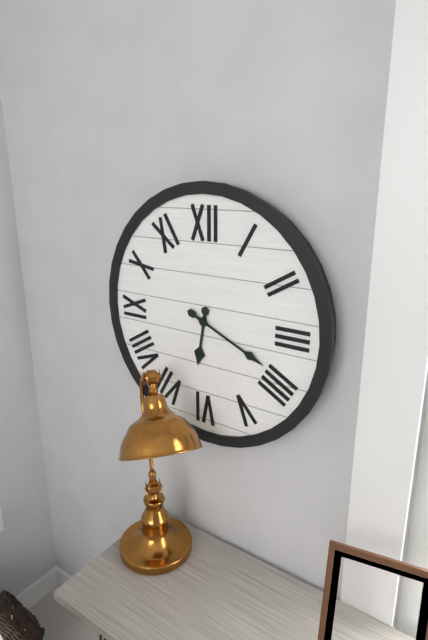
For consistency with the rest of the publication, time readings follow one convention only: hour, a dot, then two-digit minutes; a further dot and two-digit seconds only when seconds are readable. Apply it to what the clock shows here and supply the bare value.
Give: 6.19
